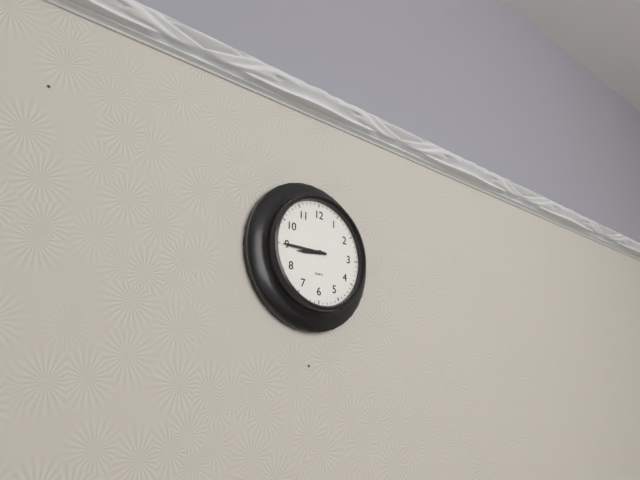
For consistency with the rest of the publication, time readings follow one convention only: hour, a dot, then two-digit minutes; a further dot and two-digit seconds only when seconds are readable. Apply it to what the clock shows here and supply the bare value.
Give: 8.45
